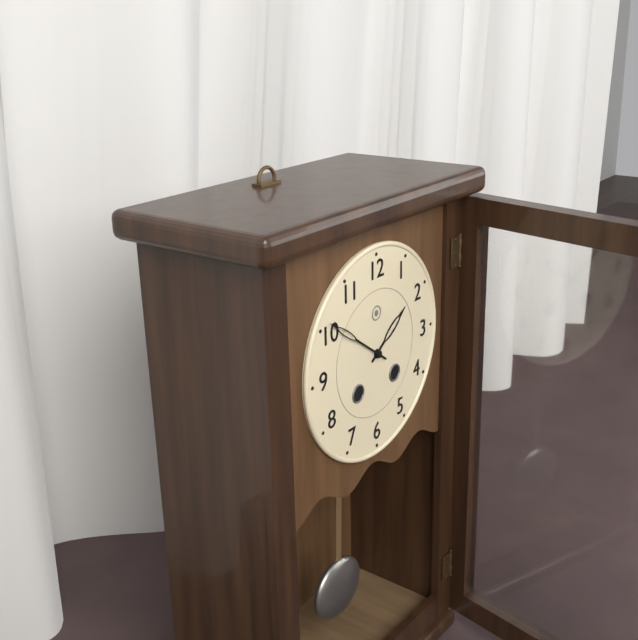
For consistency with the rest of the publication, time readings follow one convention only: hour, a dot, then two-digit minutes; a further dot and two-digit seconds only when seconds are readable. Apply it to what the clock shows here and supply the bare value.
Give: 1.51
